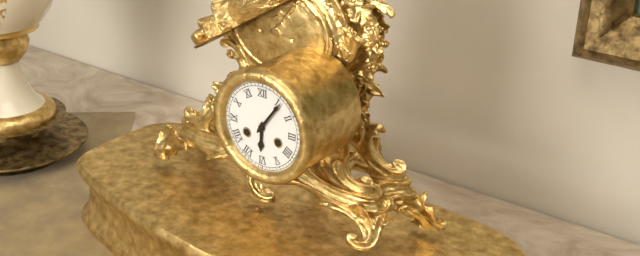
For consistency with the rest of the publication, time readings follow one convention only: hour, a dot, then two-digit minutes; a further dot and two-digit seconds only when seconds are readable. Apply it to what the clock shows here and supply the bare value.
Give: 6.06
